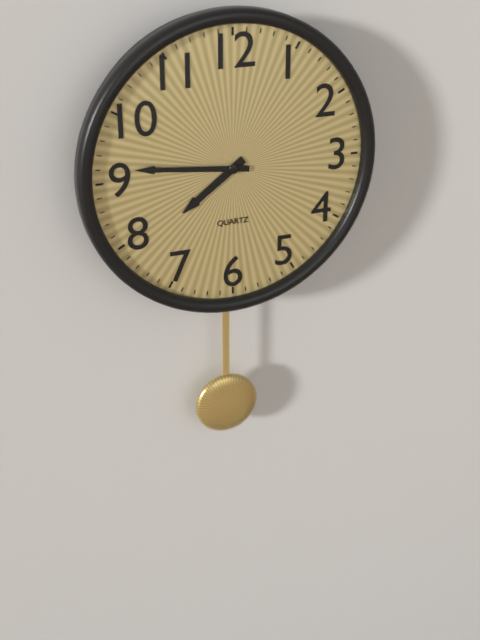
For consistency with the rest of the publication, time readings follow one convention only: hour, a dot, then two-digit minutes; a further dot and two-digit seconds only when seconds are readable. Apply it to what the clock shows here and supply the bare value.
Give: 7.46
